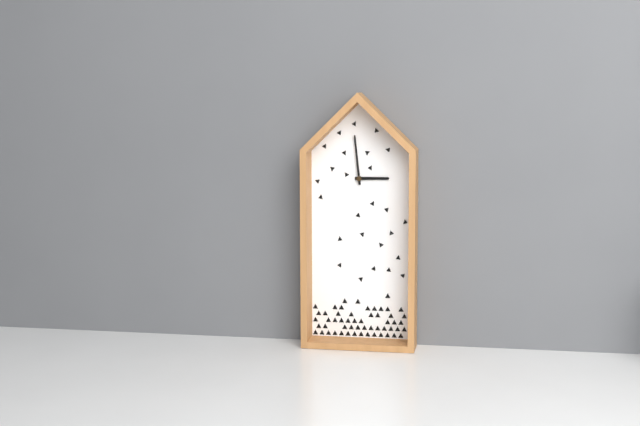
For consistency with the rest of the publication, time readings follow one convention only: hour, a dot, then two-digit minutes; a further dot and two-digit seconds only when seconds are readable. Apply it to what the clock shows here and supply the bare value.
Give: 2.59
